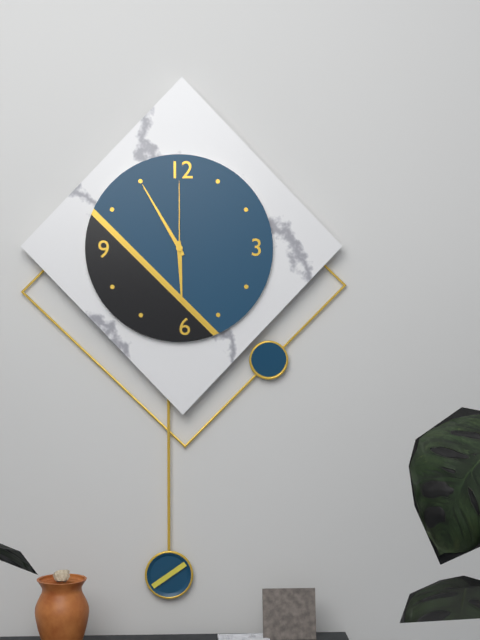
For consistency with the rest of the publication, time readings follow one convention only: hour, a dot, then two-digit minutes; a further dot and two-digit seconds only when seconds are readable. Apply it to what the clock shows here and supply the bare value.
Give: 5.55.00
